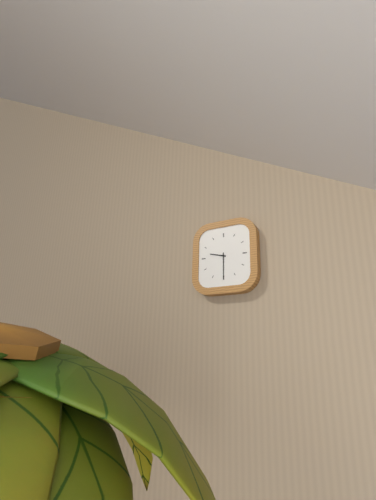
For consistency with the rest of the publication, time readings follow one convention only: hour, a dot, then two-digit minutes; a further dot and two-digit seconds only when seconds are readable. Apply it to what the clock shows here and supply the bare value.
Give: 9.30
